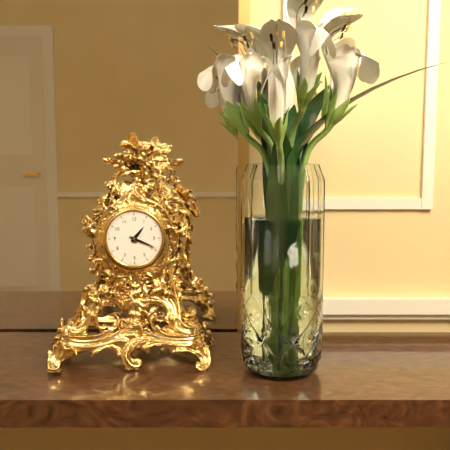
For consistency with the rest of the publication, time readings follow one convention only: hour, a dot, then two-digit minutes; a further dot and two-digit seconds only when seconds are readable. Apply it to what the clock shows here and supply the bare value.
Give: 1.19
